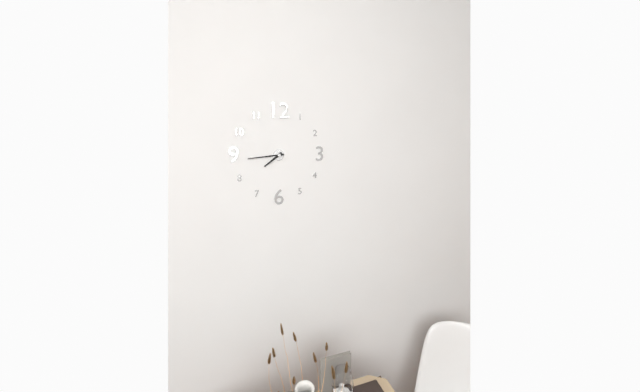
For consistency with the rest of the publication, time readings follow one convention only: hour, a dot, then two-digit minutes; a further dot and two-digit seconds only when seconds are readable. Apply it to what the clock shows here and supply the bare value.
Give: 7.44
